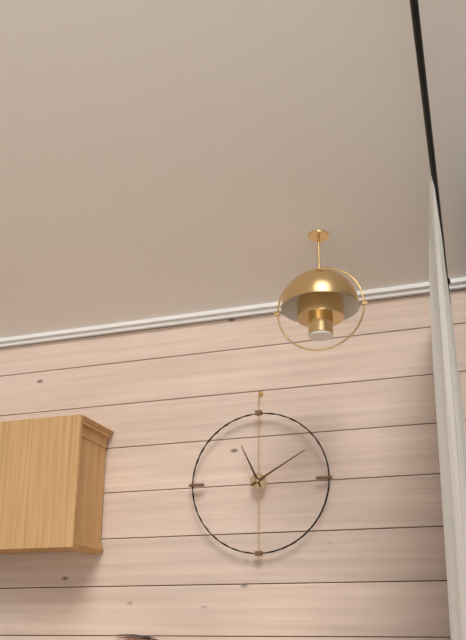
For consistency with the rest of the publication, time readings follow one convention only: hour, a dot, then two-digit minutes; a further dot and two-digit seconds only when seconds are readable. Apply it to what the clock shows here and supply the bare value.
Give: 11.10
